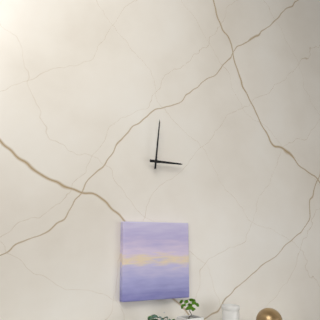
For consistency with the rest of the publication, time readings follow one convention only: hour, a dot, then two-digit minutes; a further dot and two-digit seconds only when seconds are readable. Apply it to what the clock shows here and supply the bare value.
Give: 3.01
